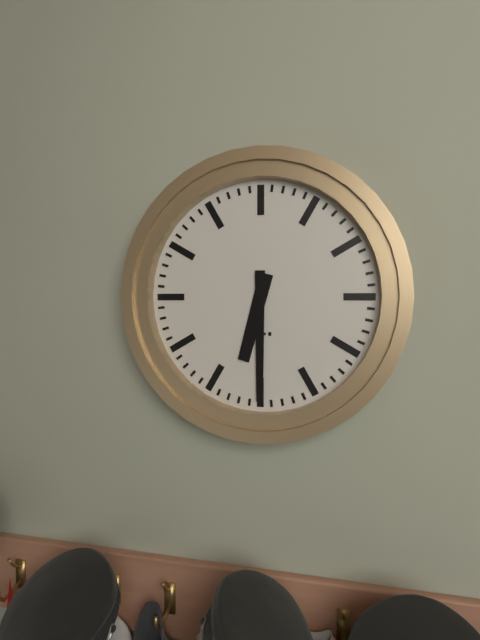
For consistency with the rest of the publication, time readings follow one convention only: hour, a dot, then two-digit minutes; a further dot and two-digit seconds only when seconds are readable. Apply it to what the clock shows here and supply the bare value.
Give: 6.30
